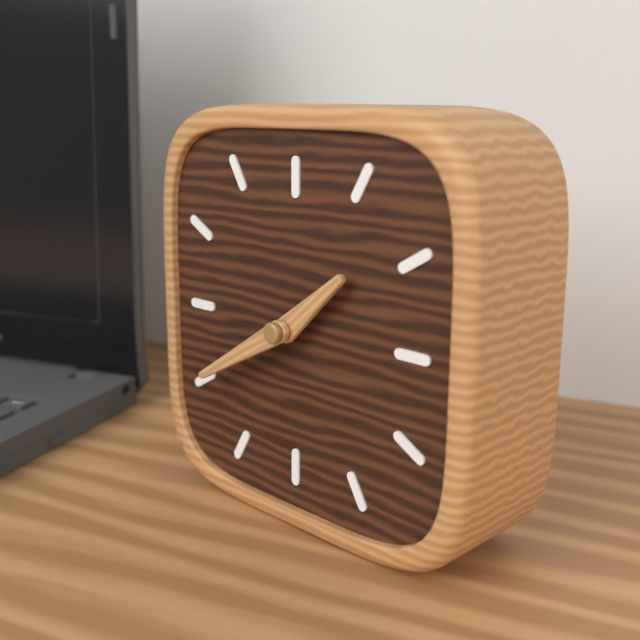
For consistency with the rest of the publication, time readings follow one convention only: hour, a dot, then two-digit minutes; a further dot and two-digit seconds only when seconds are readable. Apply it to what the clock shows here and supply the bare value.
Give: 1.40
